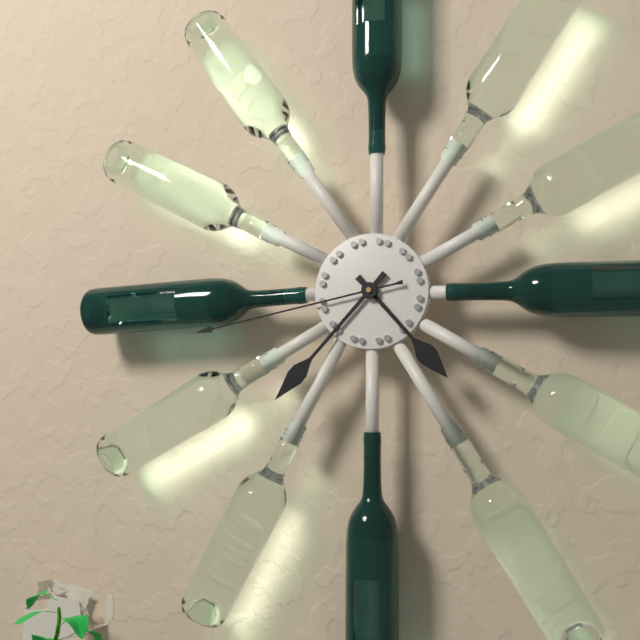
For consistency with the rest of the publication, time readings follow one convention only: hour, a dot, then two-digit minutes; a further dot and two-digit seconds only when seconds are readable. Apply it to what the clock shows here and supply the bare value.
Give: 4.37.43
